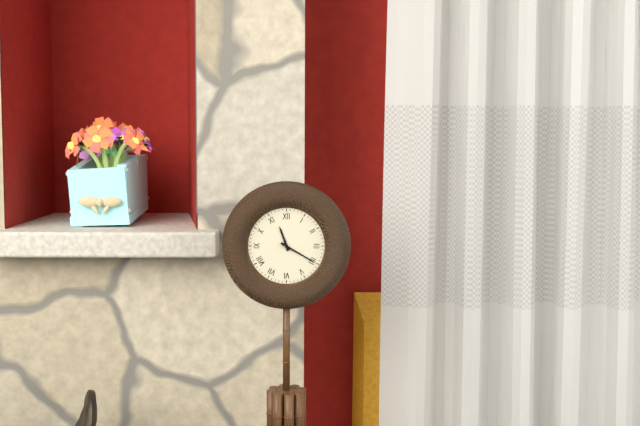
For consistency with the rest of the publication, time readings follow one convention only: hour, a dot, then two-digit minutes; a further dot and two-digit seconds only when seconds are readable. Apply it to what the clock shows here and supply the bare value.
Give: 11.20
